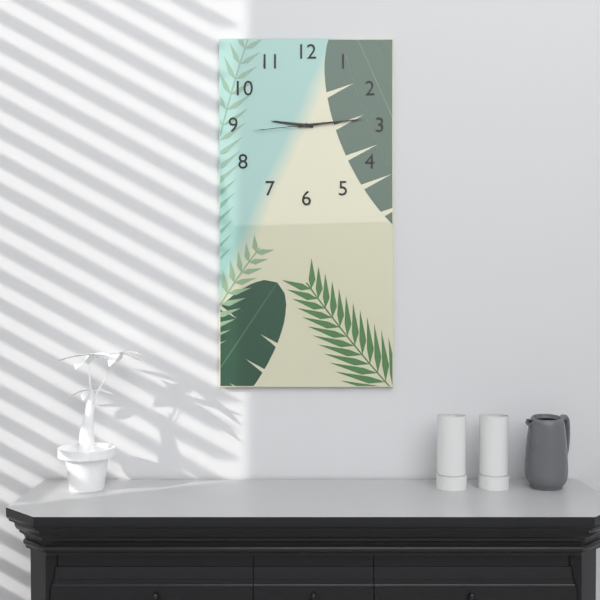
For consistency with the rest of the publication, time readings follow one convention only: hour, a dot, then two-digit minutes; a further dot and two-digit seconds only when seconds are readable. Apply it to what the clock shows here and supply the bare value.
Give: 9.14.44
